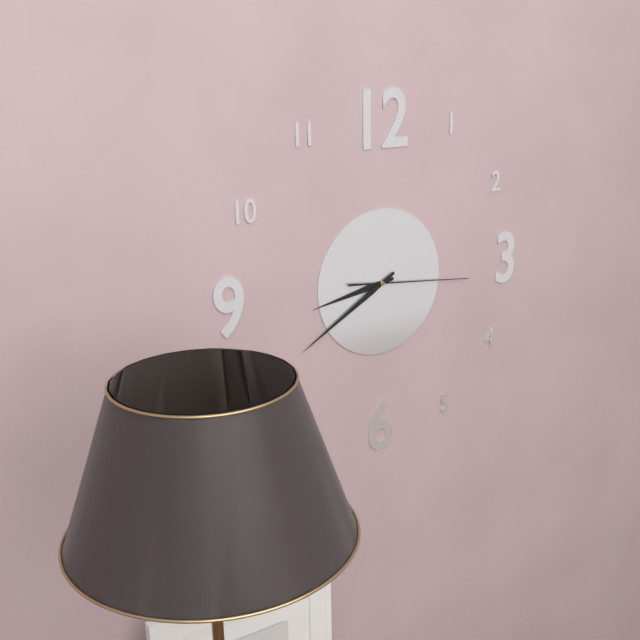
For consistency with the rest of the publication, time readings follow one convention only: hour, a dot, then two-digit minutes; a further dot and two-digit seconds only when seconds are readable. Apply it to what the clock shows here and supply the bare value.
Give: 8.40.16
